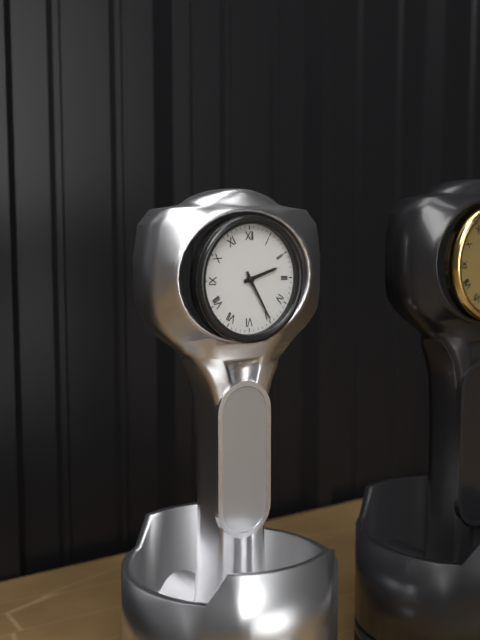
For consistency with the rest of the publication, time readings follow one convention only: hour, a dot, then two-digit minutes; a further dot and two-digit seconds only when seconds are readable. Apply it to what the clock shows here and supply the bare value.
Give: 2.25
